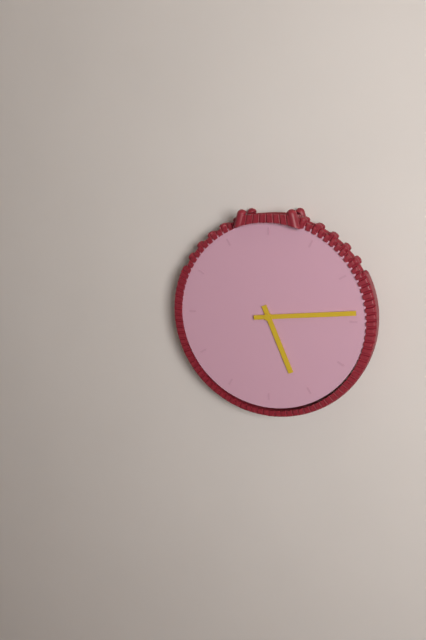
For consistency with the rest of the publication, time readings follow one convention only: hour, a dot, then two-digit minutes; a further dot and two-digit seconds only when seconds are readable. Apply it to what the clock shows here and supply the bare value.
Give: 5.14
